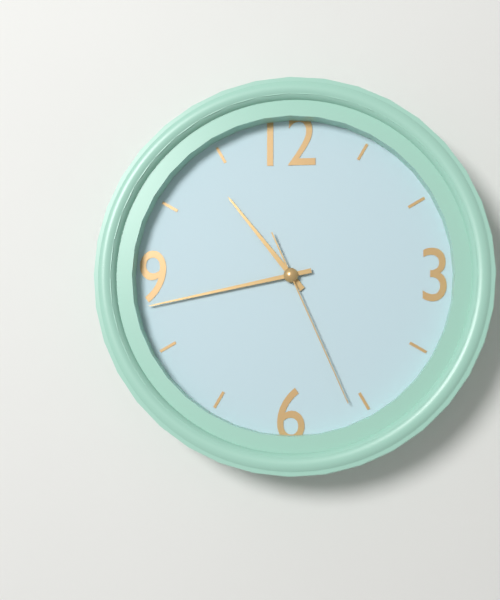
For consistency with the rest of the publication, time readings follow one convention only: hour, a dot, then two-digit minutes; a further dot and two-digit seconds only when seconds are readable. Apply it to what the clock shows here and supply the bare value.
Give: 10.43.26
